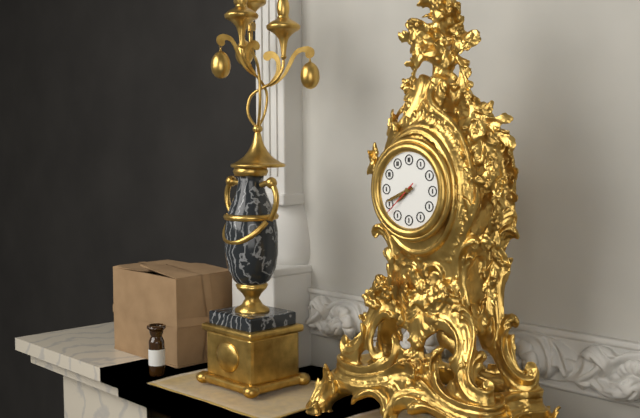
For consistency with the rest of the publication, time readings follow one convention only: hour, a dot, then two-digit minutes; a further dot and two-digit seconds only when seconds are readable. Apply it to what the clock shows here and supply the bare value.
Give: 7.41
